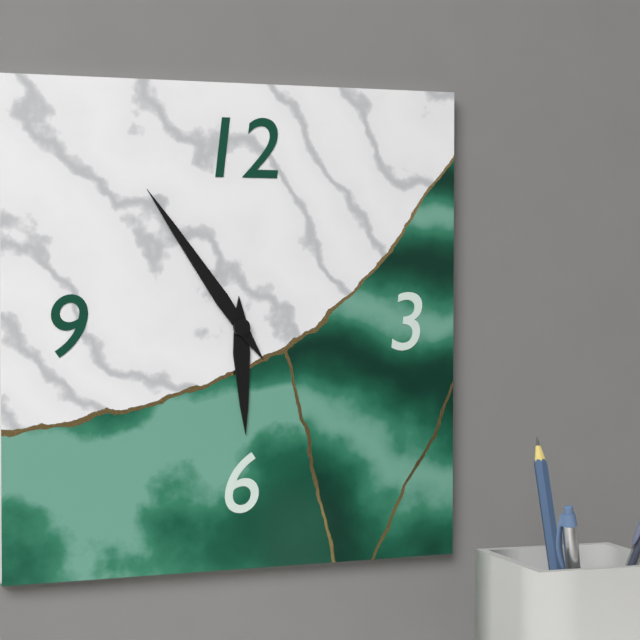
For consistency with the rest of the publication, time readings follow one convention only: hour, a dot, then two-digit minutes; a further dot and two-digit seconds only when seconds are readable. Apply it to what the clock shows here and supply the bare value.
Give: 5.54
